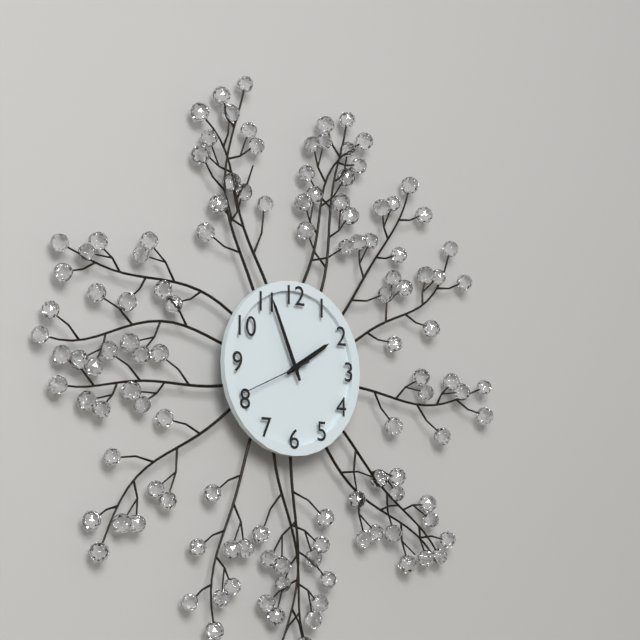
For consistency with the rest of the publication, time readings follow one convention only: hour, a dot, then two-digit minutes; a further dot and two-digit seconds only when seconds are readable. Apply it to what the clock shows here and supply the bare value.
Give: 1.56.41
